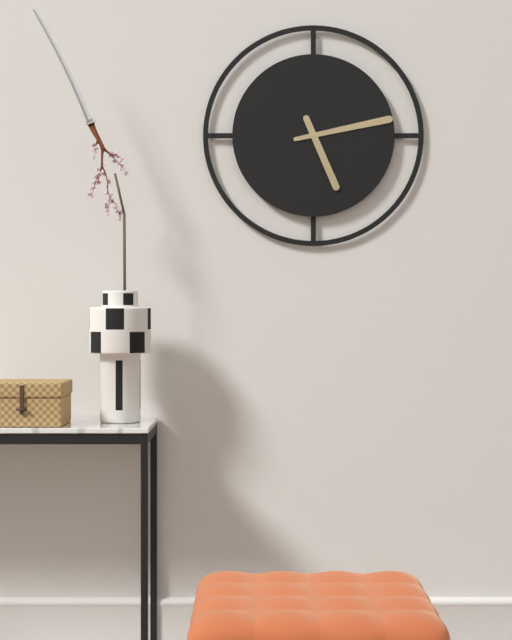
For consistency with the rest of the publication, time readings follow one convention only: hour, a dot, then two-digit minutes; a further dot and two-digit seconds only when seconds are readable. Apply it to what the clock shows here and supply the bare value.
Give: 5.13
